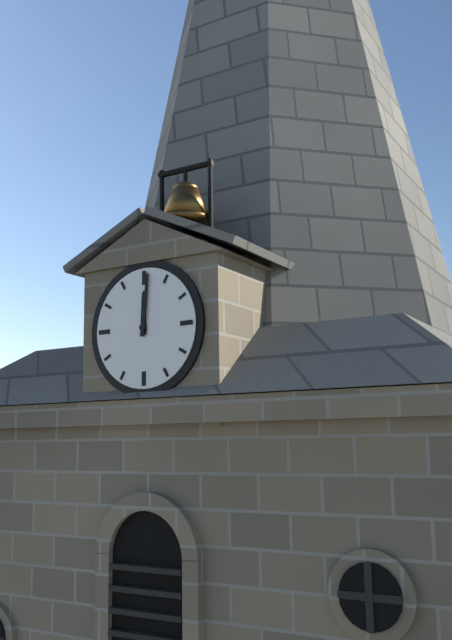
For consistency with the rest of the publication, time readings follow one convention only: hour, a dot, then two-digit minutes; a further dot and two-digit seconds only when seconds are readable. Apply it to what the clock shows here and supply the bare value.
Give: 12.01
